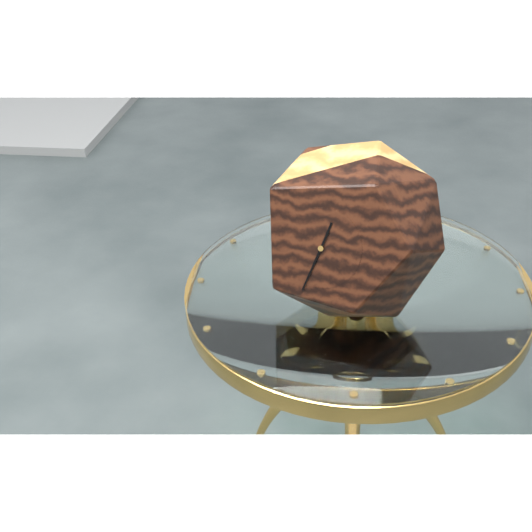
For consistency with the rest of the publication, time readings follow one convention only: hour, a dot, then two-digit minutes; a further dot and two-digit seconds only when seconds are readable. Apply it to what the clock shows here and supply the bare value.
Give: 12.33
